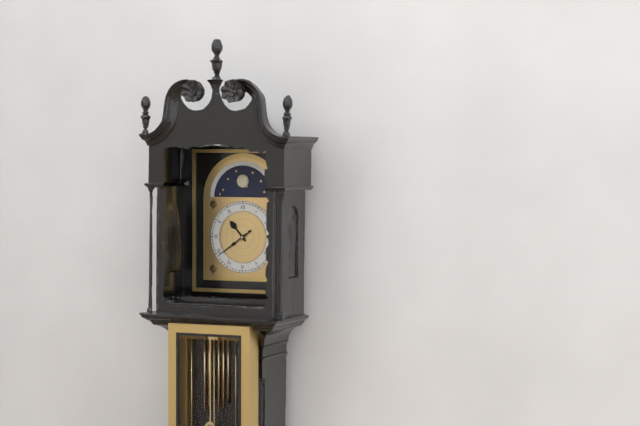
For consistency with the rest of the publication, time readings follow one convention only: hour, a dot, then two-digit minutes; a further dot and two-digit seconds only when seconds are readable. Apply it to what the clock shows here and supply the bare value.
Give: 10.39
